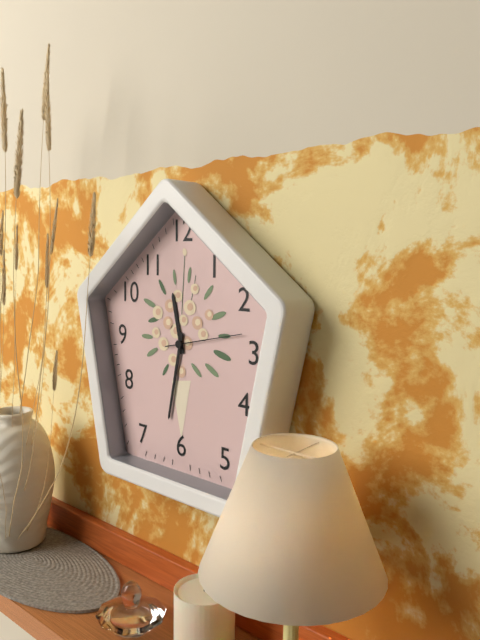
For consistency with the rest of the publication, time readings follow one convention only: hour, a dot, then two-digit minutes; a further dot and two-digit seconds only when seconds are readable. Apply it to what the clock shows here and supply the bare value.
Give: 11.32.13
